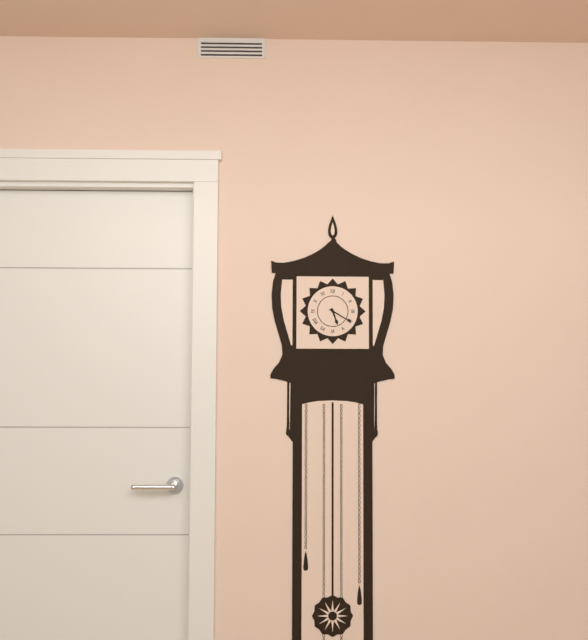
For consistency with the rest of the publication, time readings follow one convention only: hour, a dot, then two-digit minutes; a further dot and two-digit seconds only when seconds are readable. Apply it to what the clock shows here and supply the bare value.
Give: 5.20
